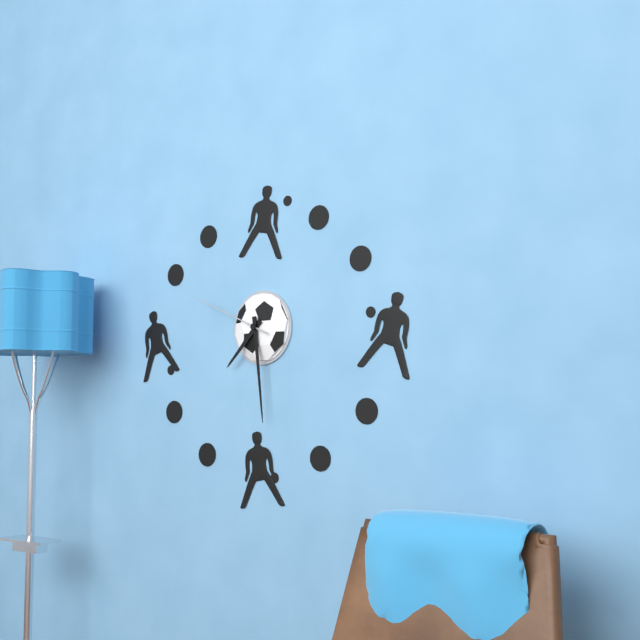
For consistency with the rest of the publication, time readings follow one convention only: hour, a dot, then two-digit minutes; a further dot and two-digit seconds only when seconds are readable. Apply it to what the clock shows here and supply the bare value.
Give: 7.29.49
